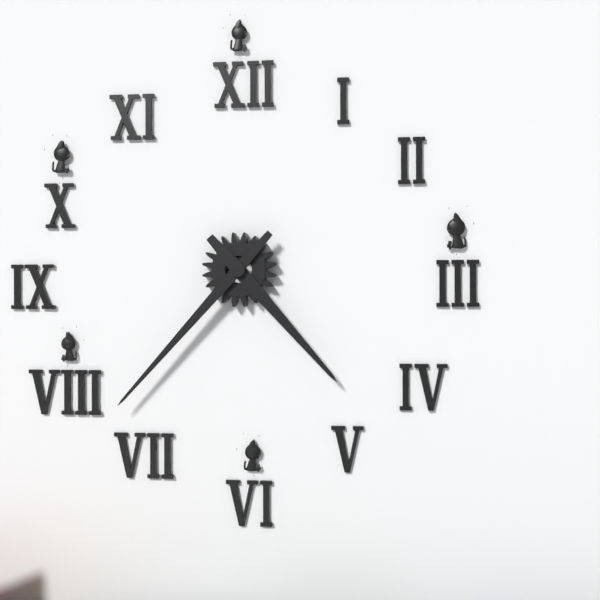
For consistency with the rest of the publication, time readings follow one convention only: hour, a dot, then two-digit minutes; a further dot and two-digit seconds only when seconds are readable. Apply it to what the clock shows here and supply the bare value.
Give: 4.37
